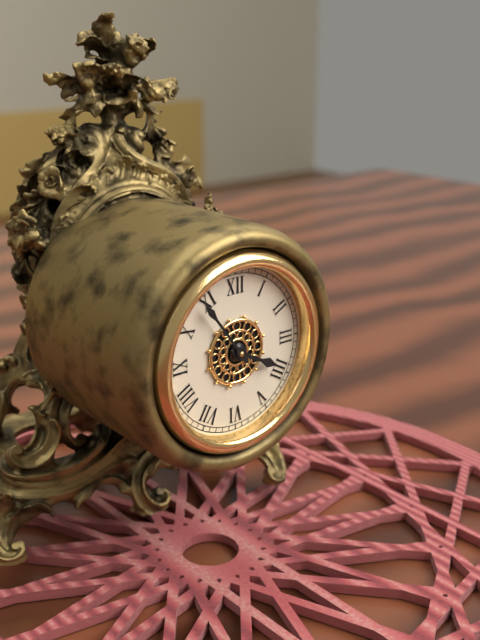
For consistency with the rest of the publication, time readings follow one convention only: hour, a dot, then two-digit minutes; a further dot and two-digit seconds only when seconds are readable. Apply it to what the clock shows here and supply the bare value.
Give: 3.54
